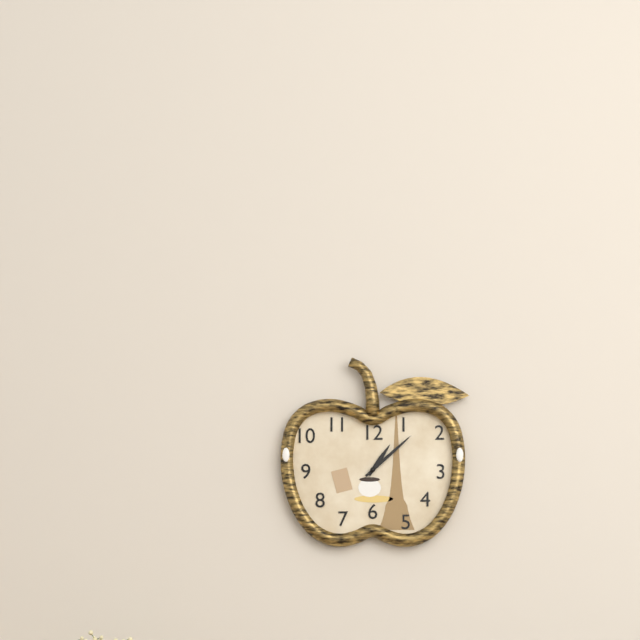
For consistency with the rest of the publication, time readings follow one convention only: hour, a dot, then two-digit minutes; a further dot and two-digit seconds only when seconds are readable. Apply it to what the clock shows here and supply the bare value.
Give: 1.08
